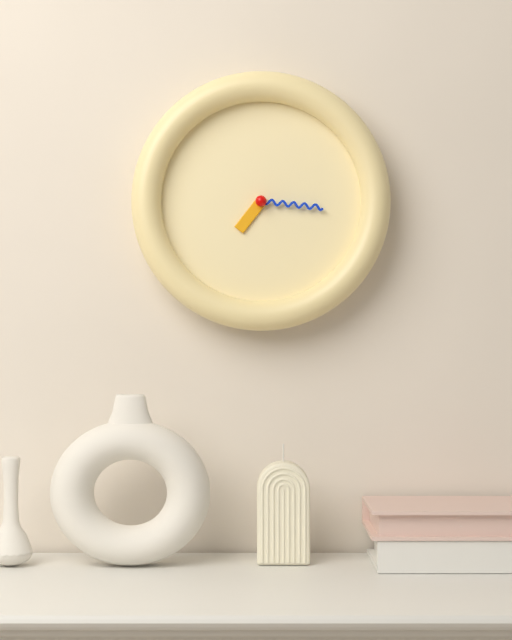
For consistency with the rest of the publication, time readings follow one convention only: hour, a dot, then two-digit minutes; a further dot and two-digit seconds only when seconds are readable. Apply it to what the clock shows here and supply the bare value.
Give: 7.16
